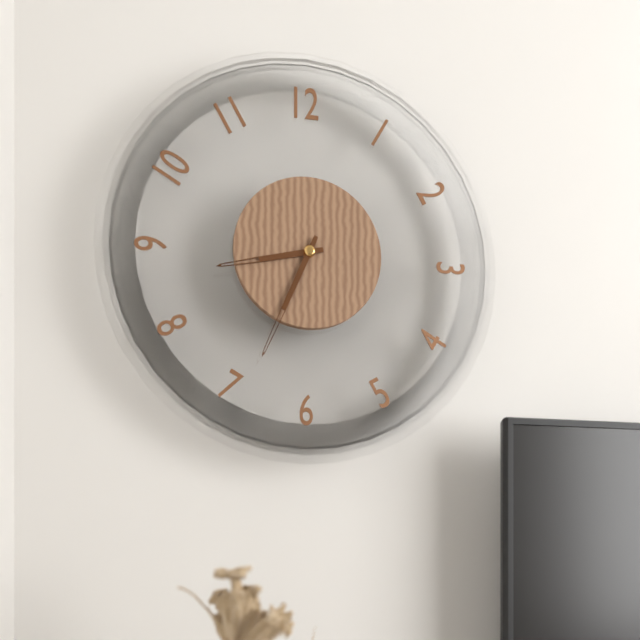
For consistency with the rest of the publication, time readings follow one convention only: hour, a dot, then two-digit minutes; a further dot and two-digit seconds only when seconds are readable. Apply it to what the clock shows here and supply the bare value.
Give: 8.34
